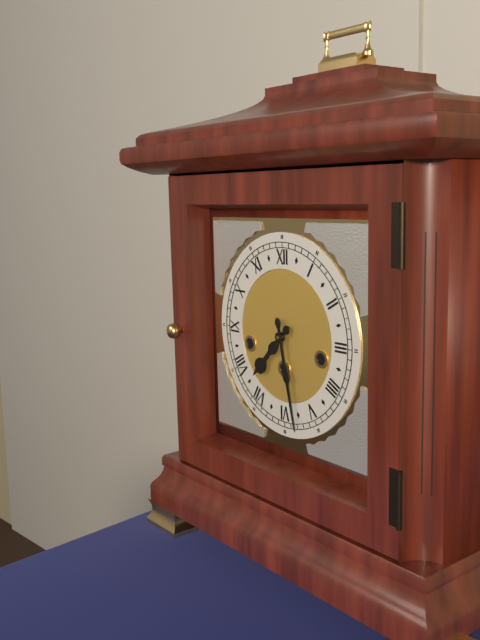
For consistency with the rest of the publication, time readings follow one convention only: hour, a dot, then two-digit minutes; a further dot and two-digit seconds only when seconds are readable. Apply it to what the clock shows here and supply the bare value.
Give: 7.28
